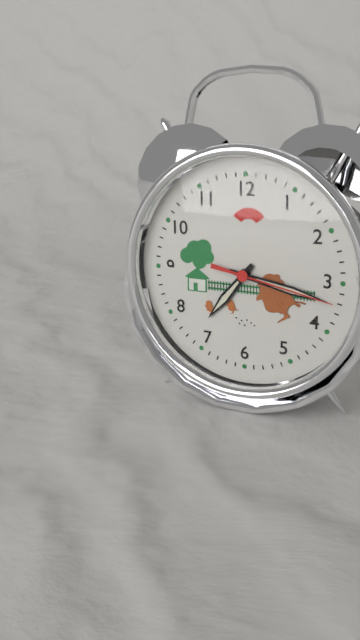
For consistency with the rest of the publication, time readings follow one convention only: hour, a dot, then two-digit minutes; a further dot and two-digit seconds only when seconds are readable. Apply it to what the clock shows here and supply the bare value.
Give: 7.17.17
